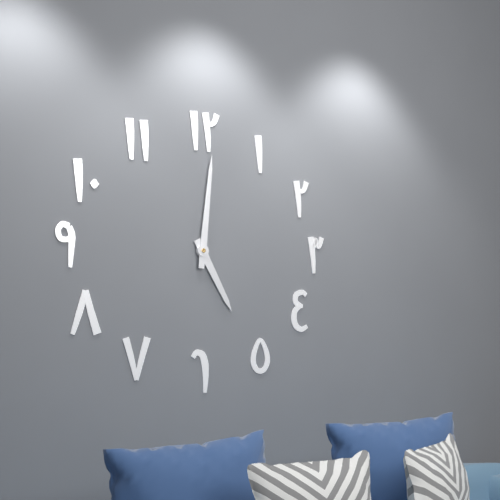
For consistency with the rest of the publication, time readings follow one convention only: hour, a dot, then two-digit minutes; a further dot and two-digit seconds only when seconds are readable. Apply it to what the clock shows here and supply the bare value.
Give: 5.01
